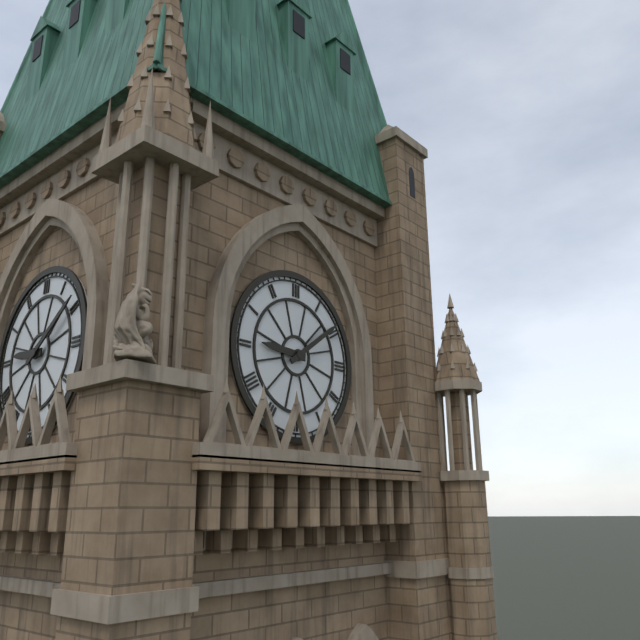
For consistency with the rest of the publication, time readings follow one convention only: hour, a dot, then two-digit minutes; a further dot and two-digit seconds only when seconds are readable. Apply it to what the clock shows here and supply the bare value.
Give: 9.09
